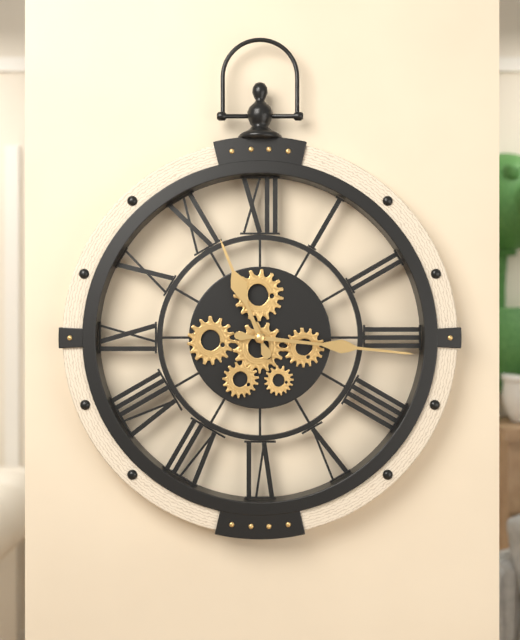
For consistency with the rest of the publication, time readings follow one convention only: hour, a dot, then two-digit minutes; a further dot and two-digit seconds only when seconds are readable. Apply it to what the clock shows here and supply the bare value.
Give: 11.16
